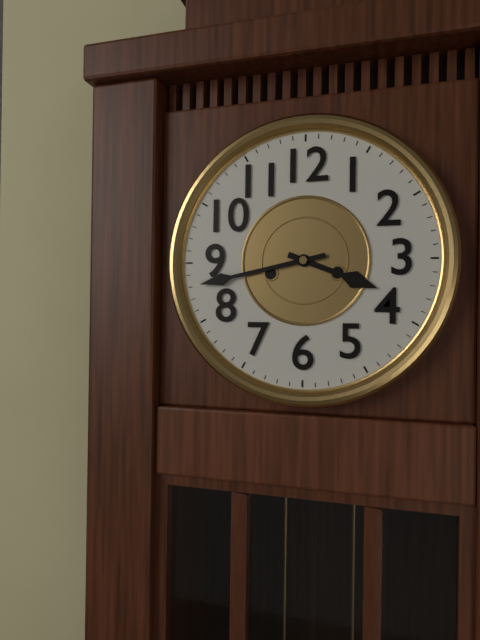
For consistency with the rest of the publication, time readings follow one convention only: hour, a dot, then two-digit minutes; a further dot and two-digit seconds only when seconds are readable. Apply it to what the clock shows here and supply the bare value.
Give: 3.43
